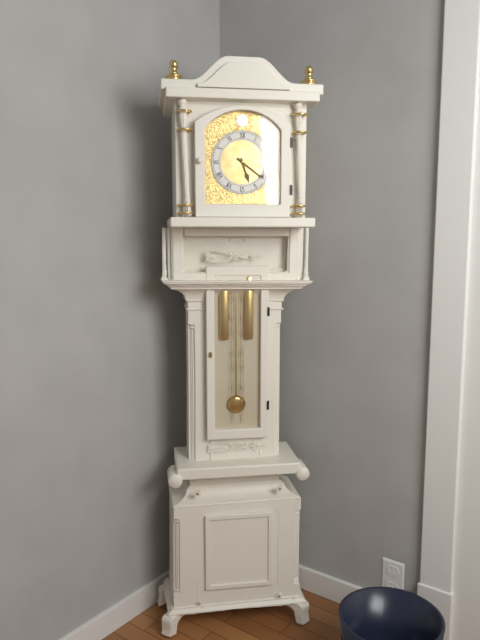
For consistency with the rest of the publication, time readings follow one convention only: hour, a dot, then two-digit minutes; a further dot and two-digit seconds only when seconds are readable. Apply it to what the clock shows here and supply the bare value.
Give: 5.21
